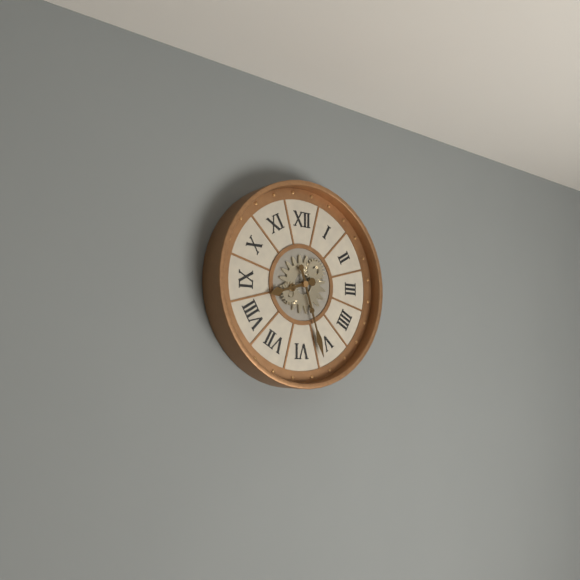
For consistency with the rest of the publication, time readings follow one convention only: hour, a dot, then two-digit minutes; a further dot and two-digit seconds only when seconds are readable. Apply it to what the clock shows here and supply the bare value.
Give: 8.27
